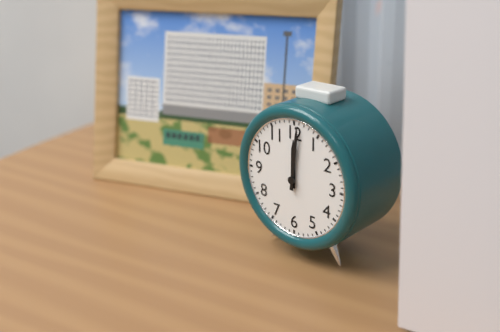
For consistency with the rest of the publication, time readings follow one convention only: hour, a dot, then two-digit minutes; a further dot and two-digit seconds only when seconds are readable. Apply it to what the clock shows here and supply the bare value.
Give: 12.01
